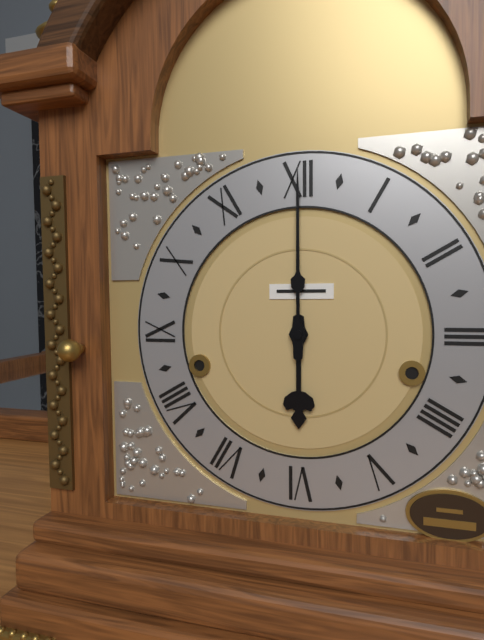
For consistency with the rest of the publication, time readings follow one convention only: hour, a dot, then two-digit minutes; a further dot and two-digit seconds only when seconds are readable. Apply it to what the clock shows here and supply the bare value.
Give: 6.00
